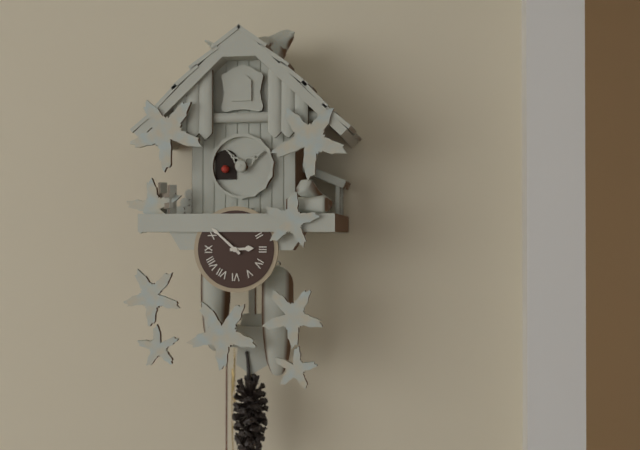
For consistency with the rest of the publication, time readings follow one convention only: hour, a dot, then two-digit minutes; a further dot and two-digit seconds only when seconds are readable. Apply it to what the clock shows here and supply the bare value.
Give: 2.52
